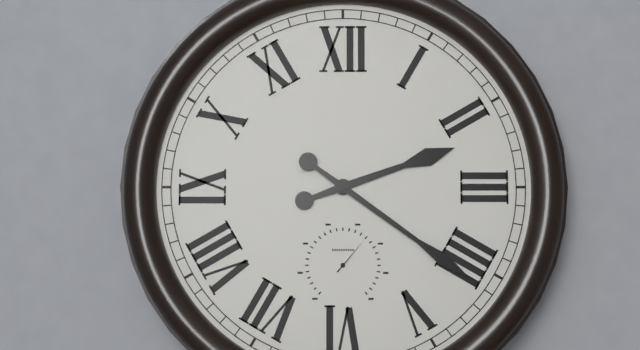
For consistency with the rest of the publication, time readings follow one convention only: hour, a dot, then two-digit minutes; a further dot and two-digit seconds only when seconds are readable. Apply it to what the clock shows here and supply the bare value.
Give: 2.21
